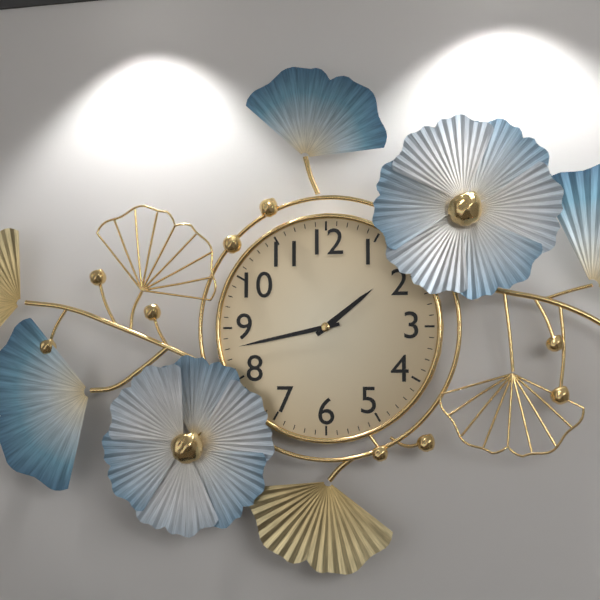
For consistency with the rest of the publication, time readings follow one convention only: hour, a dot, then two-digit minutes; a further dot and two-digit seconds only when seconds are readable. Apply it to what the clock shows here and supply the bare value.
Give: 1.43
